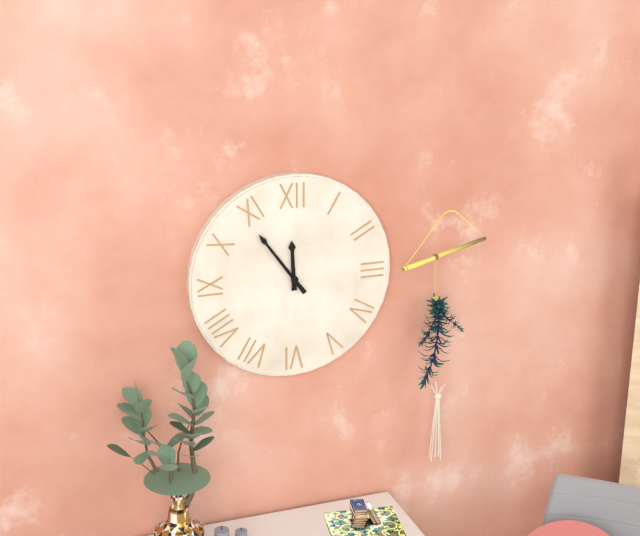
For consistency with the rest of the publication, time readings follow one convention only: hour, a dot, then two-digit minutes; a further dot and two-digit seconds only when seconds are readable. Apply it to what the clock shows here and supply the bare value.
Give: 11.54
